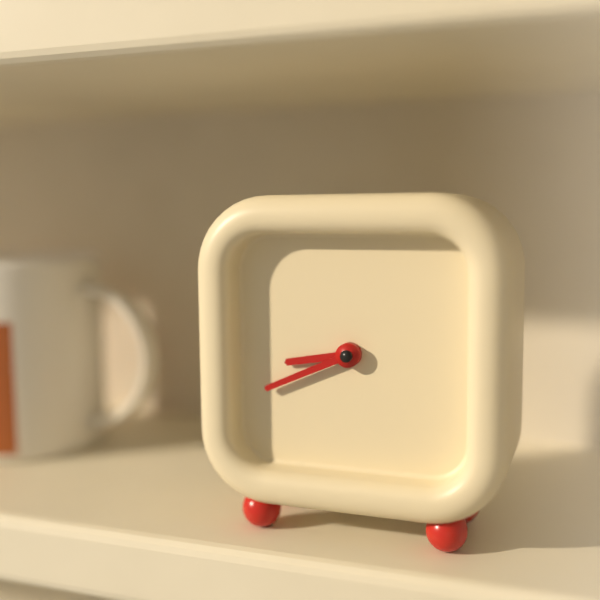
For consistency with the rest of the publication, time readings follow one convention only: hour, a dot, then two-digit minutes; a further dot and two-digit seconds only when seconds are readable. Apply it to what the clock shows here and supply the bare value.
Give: 8.41
